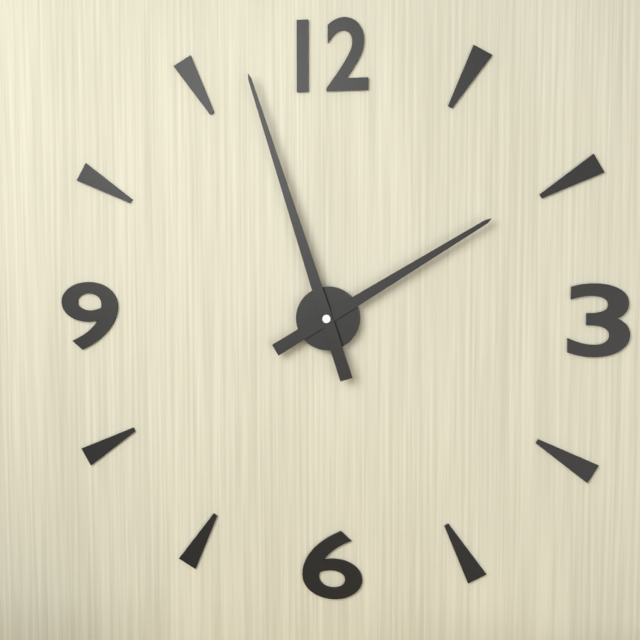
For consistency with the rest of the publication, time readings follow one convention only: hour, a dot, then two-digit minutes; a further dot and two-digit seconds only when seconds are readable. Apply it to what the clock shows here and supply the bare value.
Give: 1.57
